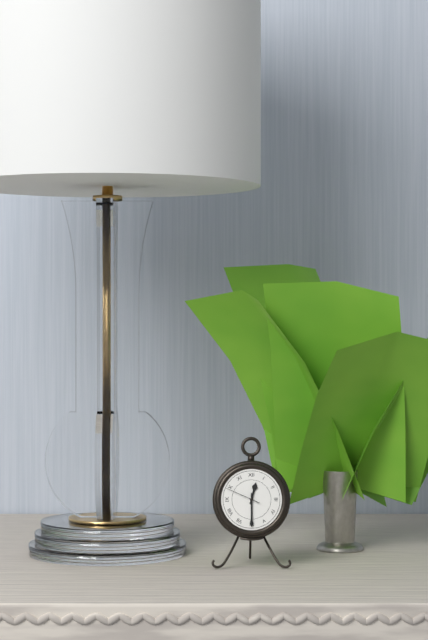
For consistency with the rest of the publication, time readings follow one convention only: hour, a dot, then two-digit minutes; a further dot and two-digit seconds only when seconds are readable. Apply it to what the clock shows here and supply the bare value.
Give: 12.30
